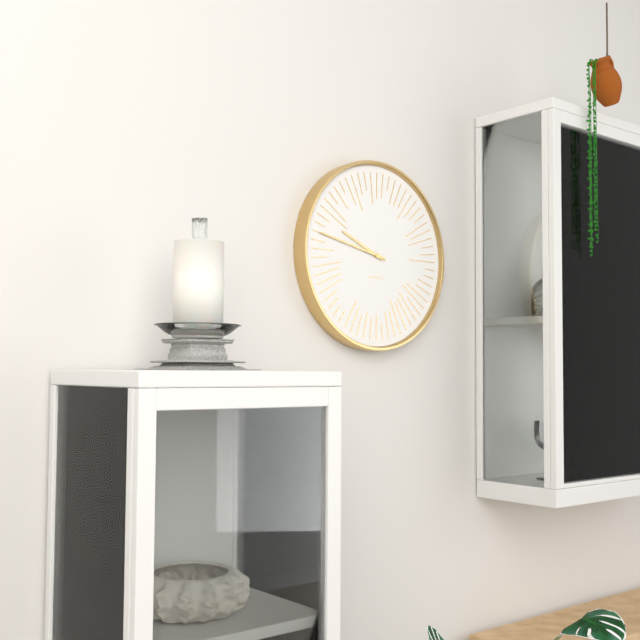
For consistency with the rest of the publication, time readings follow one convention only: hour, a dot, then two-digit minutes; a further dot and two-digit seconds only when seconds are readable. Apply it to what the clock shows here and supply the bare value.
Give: 9.47
